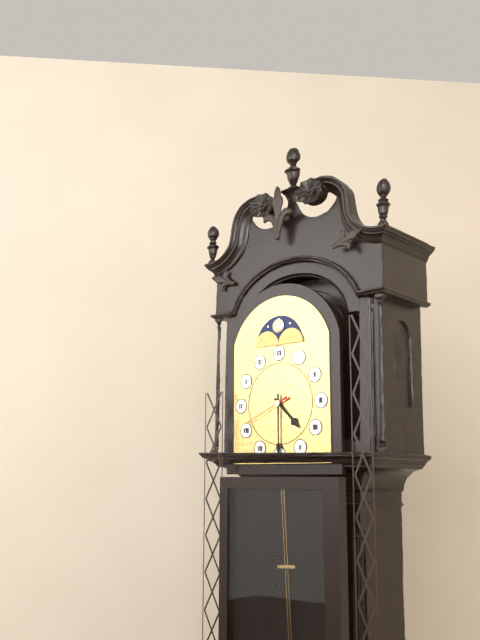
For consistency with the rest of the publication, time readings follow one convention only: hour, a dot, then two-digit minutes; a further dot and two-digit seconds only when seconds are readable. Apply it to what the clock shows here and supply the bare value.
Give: 4.30
